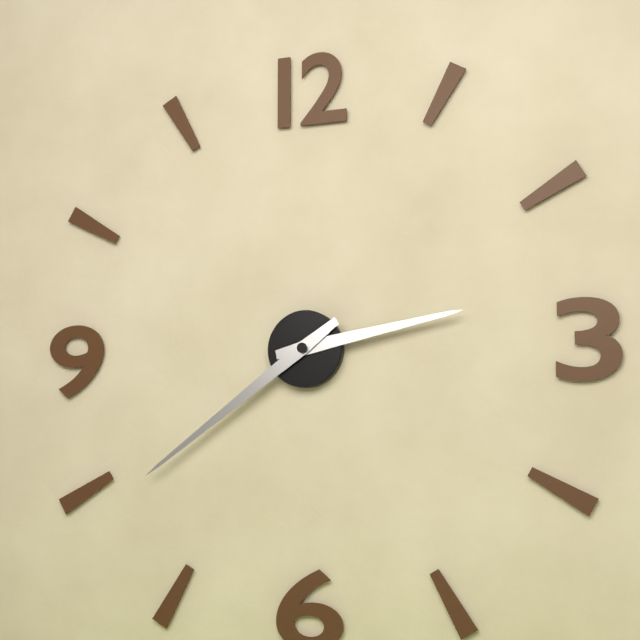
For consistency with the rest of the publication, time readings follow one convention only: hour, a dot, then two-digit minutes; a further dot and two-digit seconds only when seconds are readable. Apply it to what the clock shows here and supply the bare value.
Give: 2.39
